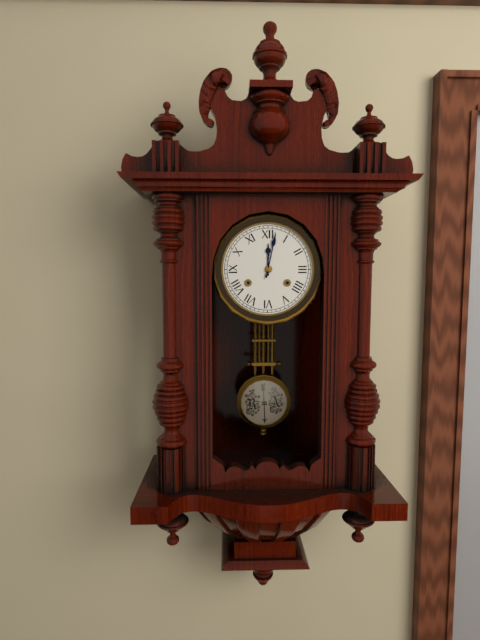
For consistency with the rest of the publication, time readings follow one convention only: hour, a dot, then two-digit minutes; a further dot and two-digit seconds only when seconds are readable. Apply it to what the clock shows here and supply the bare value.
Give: 12.02
